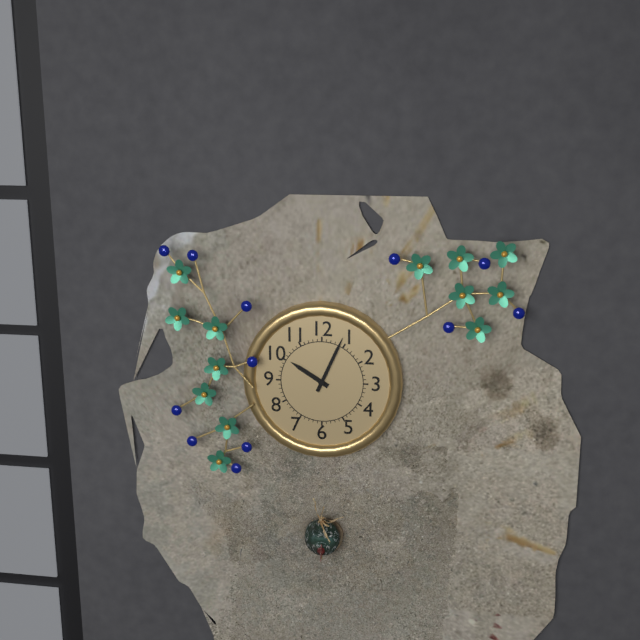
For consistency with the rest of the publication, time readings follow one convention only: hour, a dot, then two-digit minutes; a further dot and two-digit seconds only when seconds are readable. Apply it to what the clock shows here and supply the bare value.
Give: 10.04
